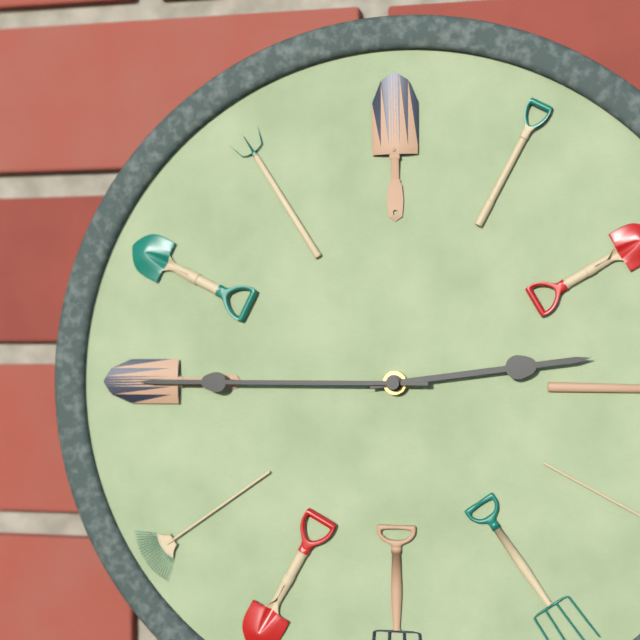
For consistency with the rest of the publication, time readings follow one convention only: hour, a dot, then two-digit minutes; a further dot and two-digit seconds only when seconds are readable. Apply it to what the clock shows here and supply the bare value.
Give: 2.45
